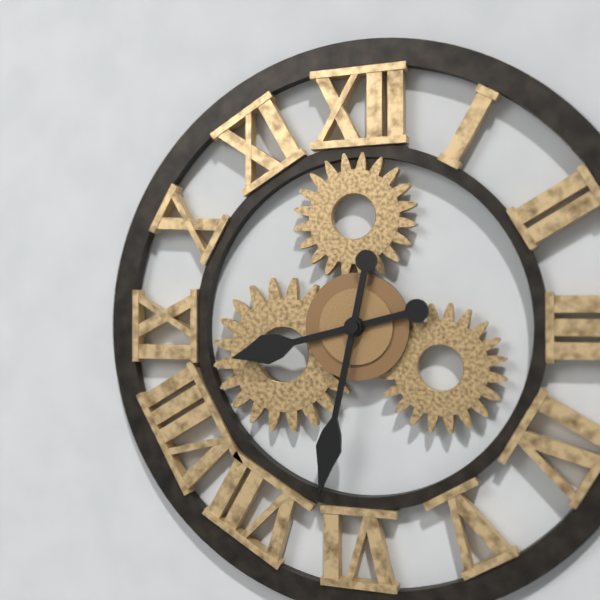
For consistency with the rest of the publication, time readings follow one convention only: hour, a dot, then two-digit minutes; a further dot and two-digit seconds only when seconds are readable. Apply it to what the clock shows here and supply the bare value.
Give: 8.32
